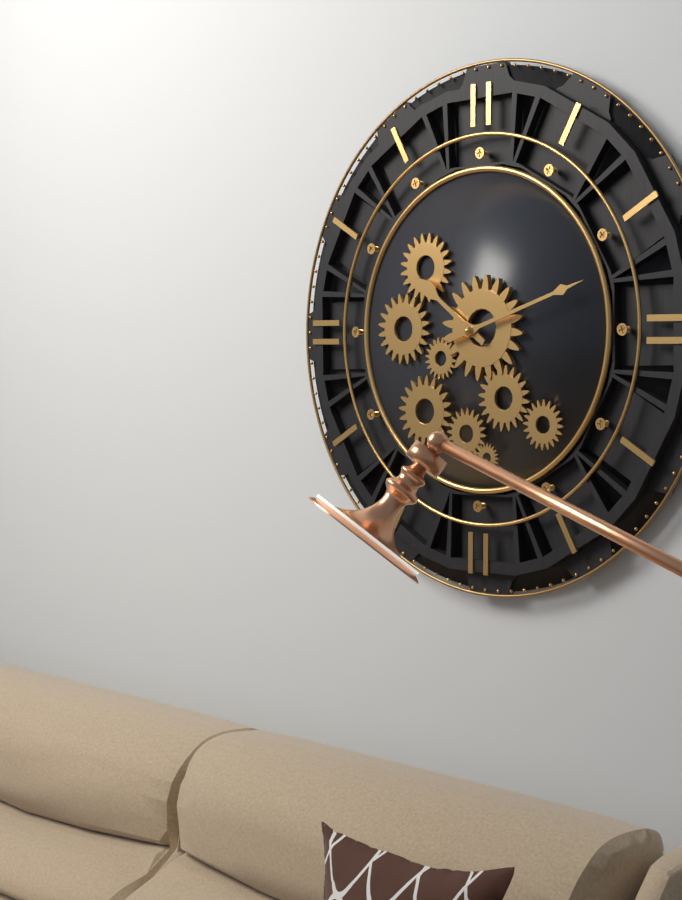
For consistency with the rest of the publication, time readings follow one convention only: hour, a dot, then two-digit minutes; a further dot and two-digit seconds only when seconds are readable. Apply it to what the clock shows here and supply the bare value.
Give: 10.12
